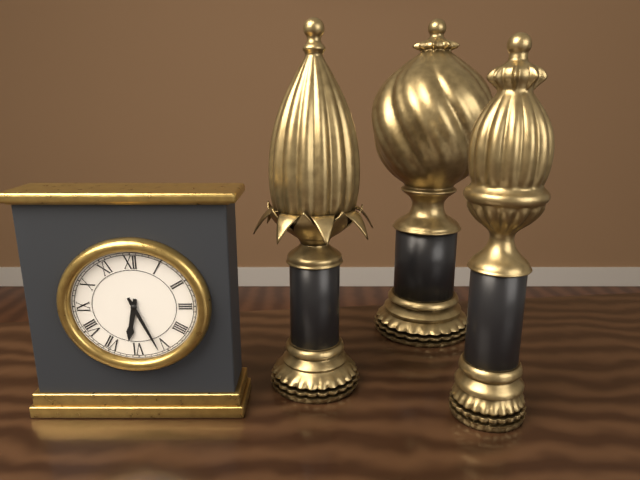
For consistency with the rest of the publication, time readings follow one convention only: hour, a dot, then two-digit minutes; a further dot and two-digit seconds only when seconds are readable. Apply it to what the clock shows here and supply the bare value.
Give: 6.26
